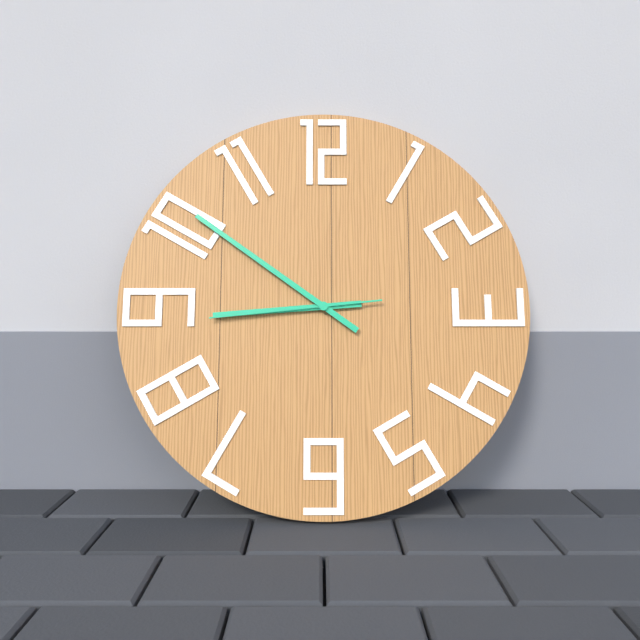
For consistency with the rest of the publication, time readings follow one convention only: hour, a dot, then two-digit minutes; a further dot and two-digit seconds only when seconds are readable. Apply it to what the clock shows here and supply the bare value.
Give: 8.51.44
